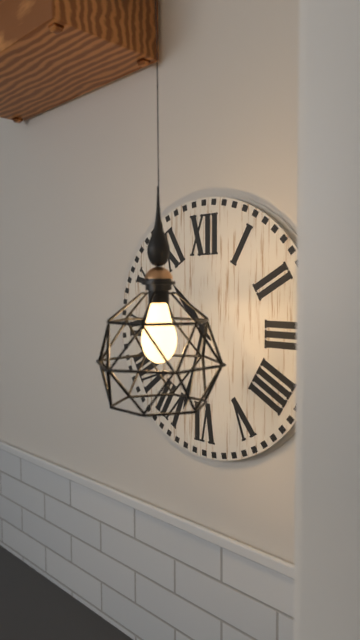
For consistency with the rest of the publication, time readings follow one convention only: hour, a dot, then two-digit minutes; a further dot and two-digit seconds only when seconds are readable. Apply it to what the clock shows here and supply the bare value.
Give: 10.33
